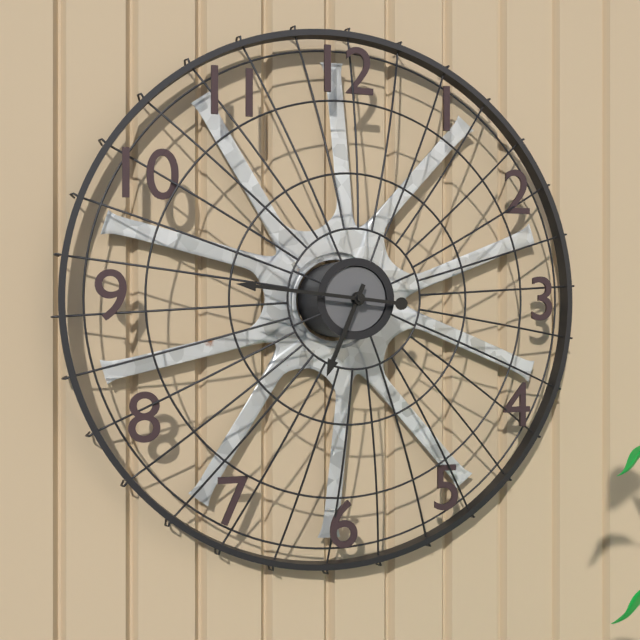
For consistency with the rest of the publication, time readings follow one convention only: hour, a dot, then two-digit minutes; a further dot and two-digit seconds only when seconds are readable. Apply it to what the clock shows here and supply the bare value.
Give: 6.46
